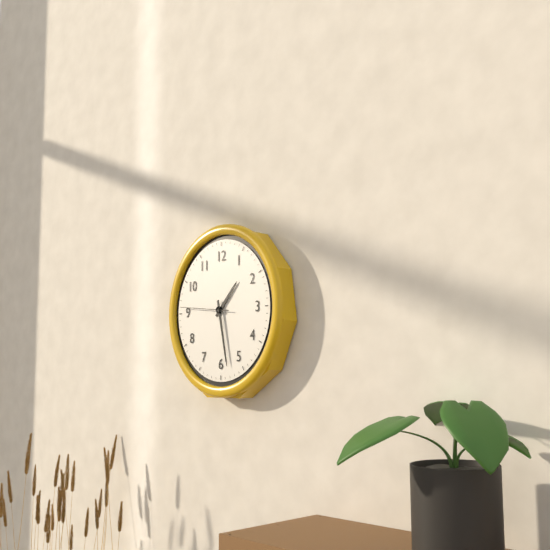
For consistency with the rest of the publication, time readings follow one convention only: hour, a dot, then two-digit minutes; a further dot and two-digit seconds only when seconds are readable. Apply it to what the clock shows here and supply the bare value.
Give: 1.28
